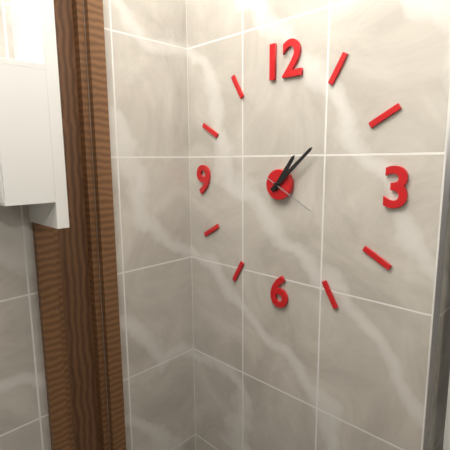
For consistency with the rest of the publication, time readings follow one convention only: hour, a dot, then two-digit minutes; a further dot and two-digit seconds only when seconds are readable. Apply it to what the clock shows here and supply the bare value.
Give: 1.08.20
